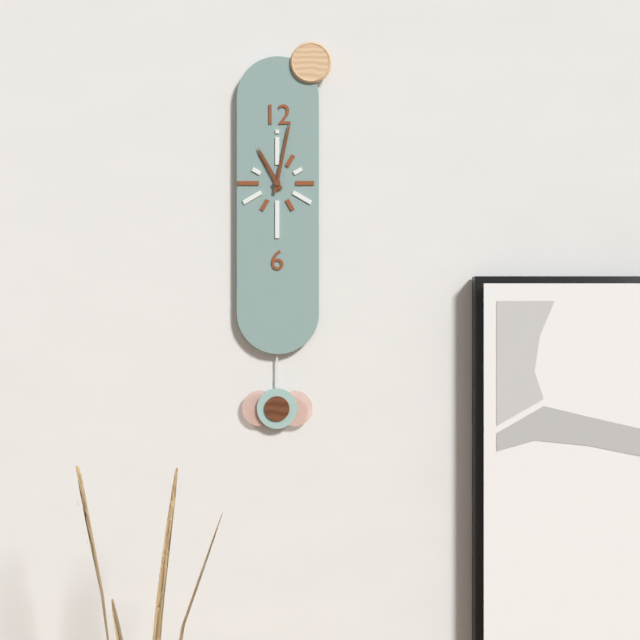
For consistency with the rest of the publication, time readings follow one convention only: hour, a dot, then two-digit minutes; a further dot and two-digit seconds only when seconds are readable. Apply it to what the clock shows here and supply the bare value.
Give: 11.02
